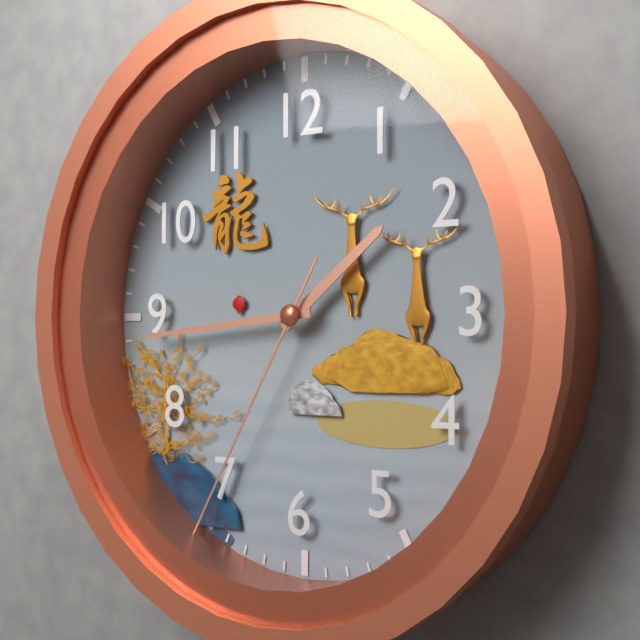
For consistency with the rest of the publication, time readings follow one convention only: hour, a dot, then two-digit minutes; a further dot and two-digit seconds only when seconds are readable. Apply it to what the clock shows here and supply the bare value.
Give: 1.44.35
